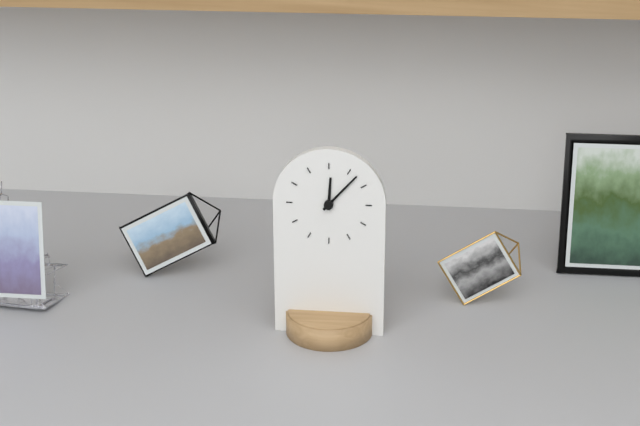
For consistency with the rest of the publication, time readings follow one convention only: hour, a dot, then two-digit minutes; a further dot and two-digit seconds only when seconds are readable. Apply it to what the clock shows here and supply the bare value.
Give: 12.07
